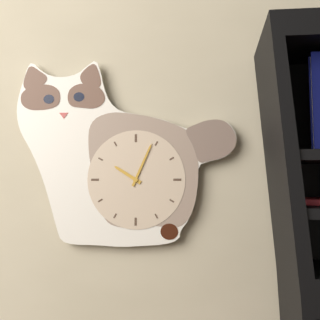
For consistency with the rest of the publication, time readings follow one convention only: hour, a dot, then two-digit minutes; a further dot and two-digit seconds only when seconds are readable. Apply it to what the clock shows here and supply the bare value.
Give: 10.04
